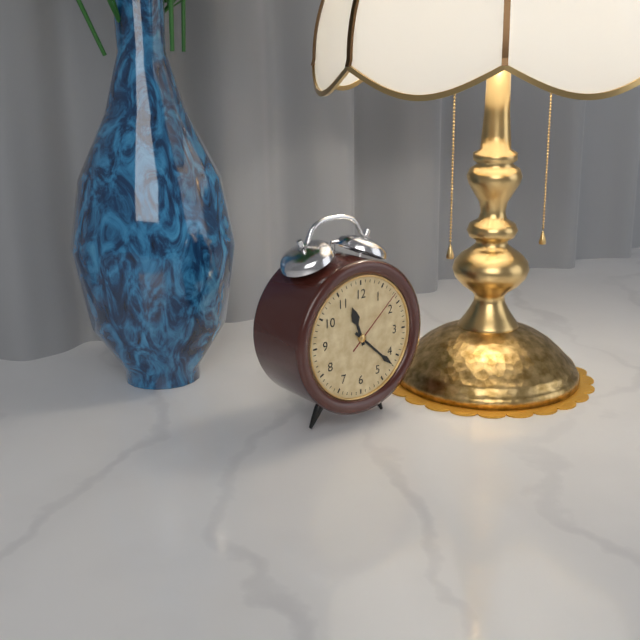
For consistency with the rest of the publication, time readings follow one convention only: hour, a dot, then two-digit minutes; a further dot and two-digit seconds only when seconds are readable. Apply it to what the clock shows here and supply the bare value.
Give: 11.22.08
